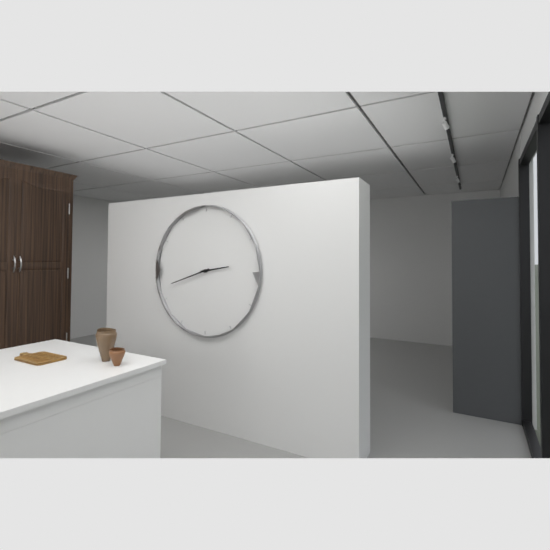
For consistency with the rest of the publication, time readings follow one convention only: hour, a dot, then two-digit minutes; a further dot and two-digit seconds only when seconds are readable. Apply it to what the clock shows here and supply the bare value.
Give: 2.42
